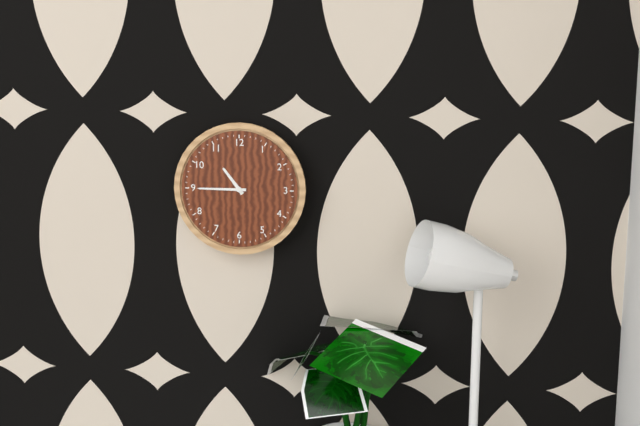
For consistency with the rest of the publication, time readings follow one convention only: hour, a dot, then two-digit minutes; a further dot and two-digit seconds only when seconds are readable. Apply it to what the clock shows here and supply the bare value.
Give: 10.45
